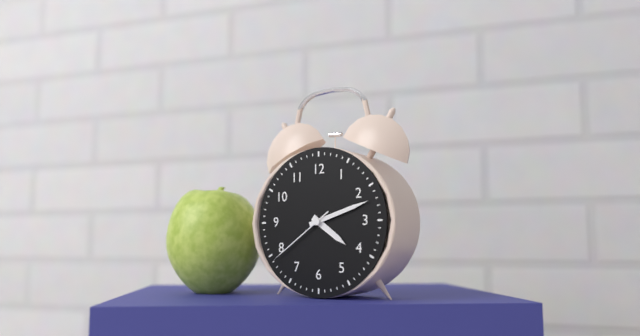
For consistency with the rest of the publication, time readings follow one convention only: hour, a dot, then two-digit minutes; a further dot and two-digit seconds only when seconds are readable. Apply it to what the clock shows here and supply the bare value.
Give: 4.12.39
